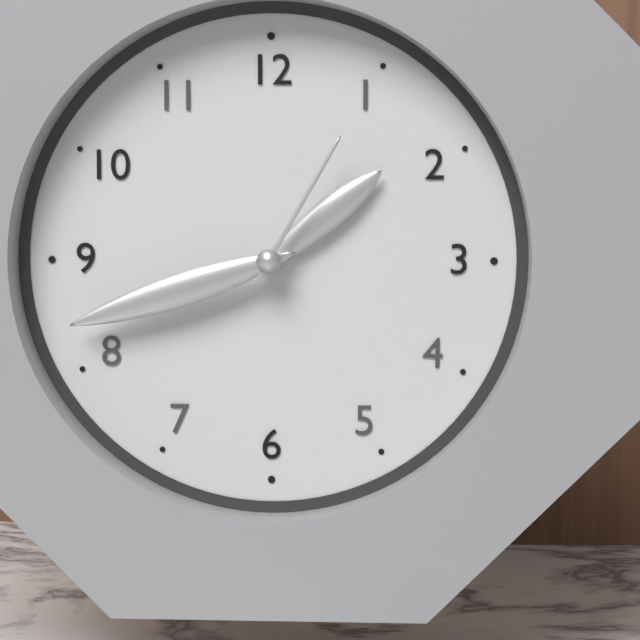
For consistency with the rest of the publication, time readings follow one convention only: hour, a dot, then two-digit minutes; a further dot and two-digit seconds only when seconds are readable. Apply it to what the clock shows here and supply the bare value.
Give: 1.42.05
